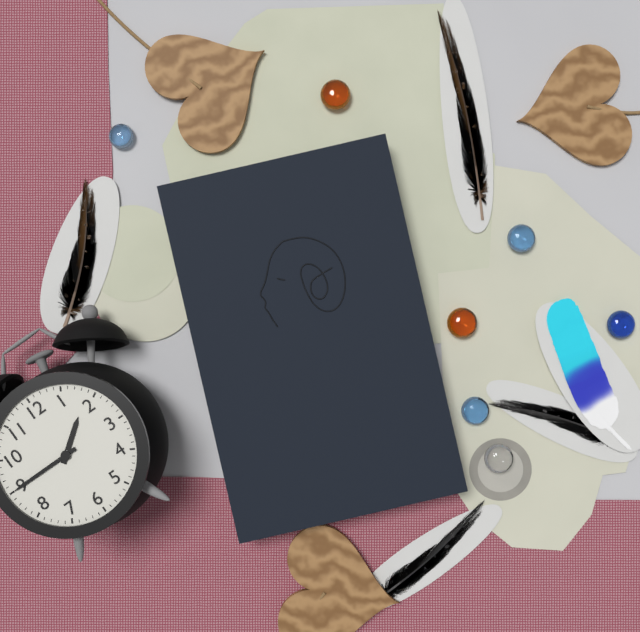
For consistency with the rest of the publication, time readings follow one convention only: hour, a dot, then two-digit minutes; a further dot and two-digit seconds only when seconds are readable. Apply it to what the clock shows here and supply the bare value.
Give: 1.45
